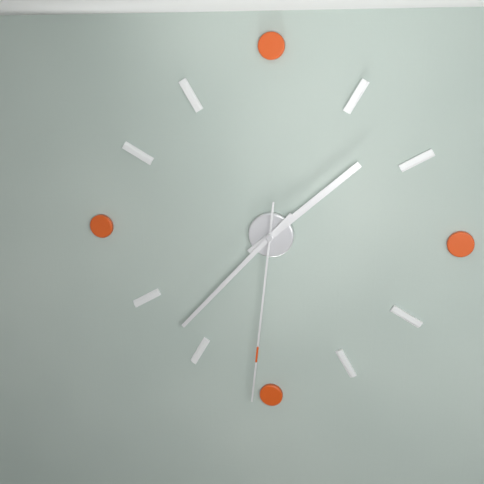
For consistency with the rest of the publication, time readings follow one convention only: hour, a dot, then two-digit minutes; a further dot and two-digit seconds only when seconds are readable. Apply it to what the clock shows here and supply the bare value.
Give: 1.37.31
